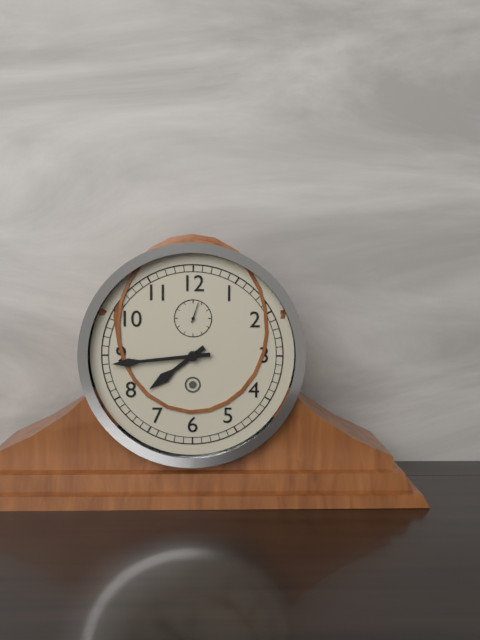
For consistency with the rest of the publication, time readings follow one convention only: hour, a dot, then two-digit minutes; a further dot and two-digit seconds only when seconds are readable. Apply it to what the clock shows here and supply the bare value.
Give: 7.44
